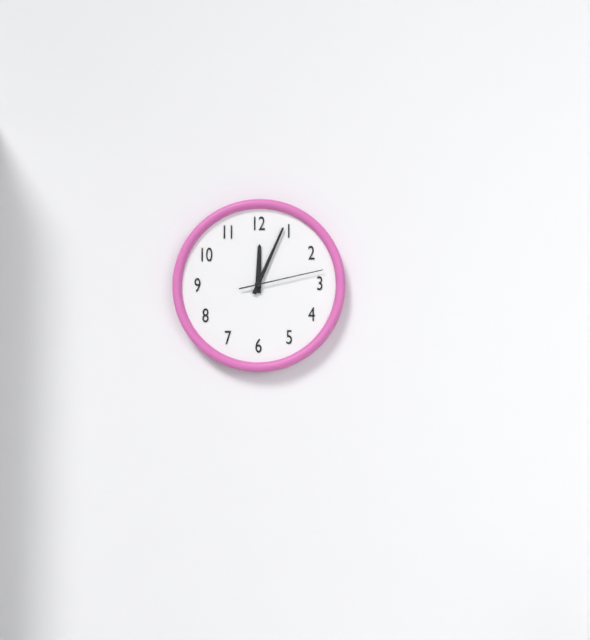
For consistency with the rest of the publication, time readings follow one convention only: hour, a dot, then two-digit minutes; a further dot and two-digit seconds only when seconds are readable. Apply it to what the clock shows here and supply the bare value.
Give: 12.04.13
